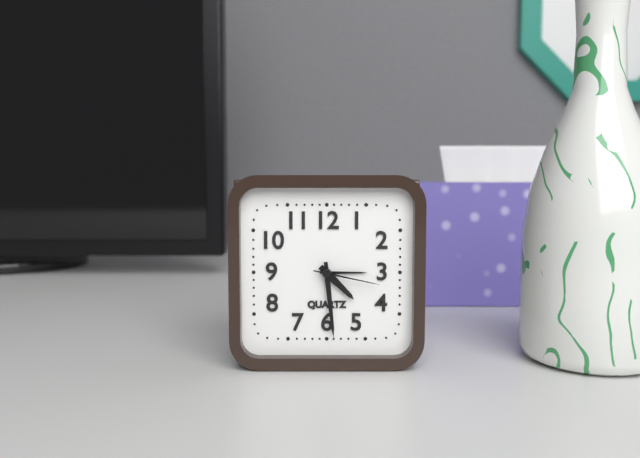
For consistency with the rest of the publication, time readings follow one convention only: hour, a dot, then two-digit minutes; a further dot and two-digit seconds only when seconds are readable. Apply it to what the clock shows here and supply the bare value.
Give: 4.29.17
